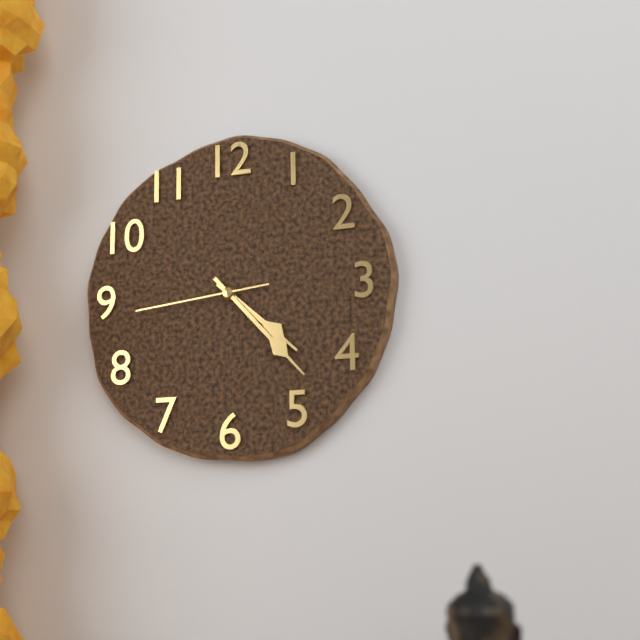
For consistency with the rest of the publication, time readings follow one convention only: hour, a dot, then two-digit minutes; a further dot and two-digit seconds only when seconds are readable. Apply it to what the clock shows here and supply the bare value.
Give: 4.23.44
